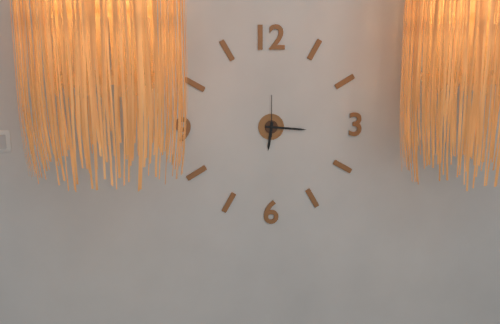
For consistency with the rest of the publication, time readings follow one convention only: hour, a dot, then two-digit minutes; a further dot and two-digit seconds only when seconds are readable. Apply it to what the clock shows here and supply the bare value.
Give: 6.16
